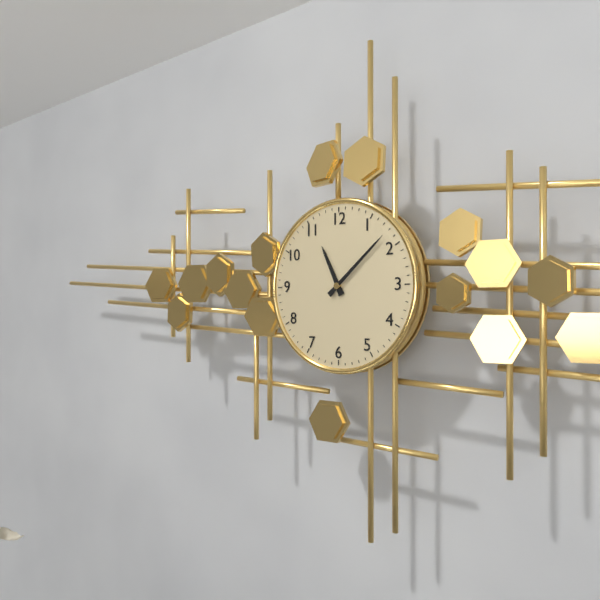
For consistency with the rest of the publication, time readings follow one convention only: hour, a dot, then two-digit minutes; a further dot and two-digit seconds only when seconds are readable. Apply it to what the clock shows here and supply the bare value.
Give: 11.08
